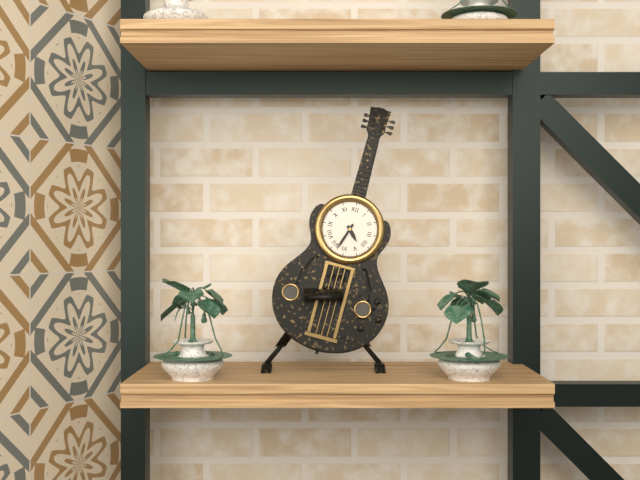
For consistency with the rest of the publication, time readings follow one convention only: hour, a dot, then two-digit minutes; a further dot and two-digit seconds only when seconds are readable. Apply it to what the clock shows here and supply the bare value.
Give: 4.33
